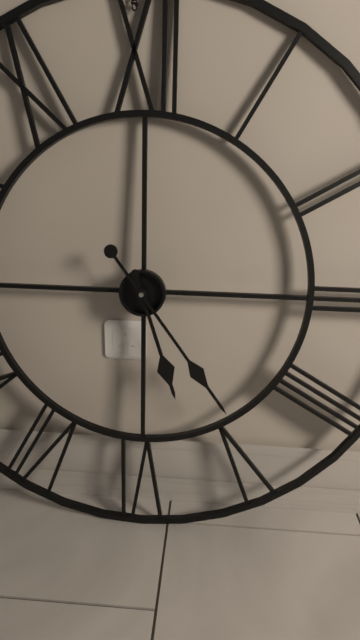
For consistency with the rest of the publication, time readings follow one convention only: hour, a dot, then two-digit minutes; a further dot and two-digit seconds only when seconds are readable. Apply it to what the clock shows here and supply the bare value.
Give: 5.24
